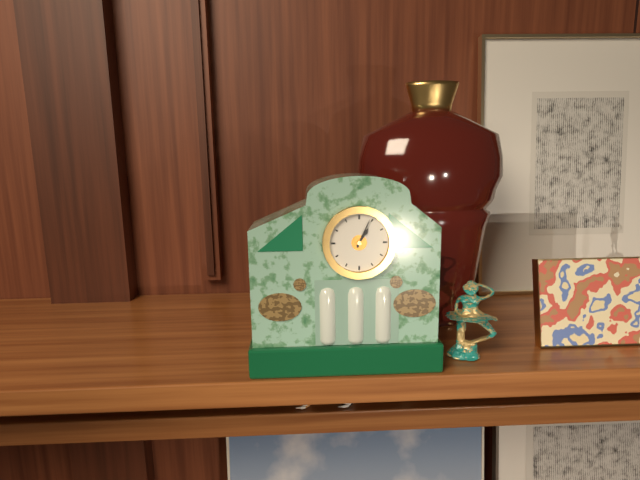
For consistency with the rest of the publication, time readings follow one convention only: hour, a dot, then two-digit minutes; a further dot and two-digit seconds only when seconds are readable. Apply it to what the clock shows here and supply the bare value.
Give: 1.04
